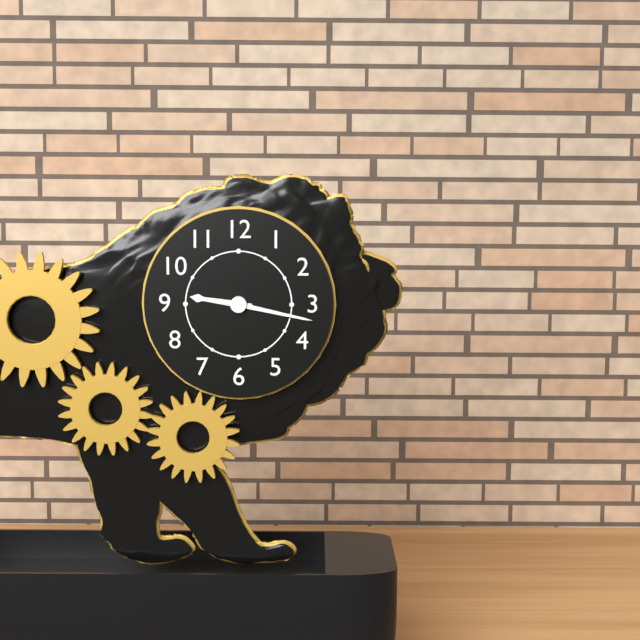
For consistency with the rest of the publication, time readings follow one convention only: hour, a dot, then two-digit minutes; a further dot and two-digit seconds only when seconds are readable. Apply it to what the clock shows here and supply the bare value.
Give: 9.17
